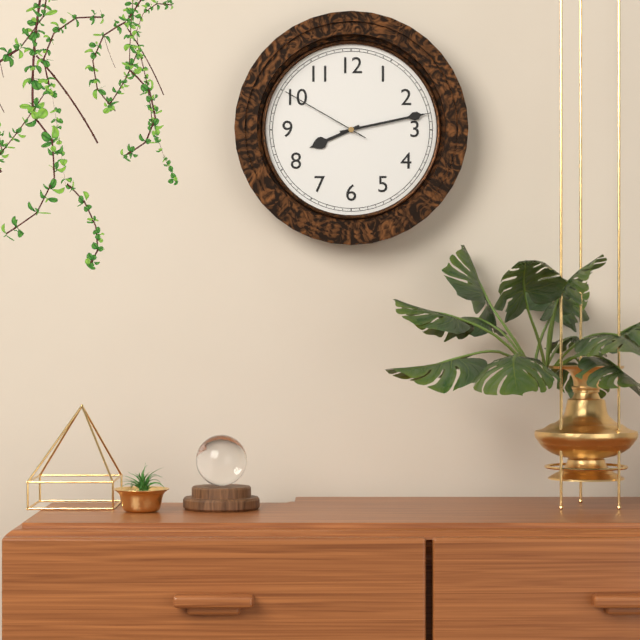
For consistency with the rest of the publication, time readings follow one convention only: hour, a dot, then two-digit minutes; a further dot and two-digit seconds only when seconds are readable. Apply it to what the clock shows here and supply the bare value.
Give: 8.13.50
